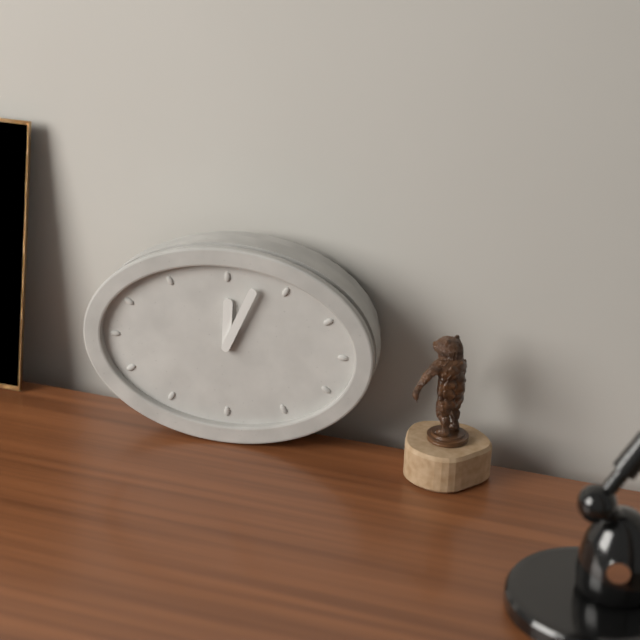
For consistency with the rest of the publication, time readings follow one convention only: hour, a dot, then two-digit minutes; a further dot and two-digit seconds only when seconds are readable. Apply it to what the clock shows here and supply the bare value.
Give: 12.04
